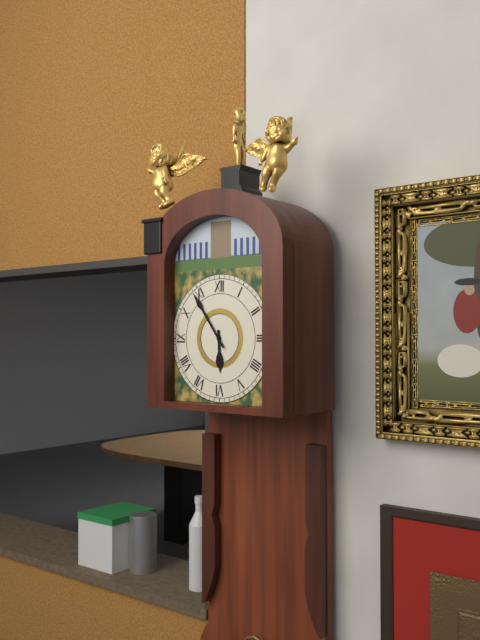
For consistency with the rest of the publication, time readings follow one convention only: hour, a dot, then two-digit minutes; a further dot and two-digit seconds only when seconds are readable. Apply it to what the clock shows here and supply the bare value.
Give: 5.54
